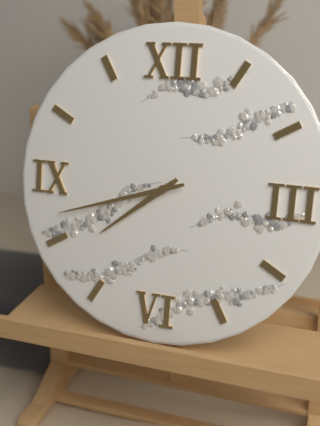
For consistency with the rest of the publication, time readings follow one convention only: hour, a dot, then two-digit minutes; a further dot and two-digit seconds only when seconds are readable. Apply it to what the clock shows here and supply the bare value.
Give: 7.42
